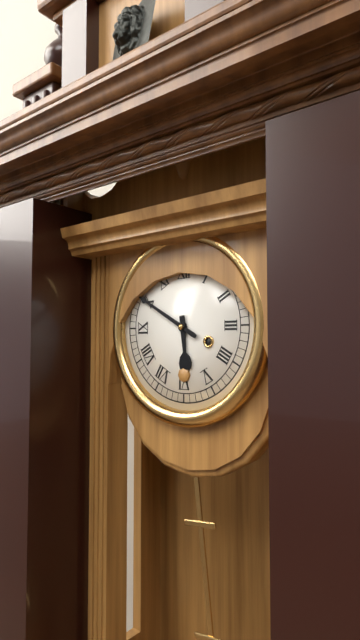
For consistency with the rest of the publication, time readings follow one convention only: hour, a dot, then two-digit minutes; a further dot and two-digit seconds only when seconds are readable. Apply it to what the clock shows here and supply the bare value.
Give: 5.50
